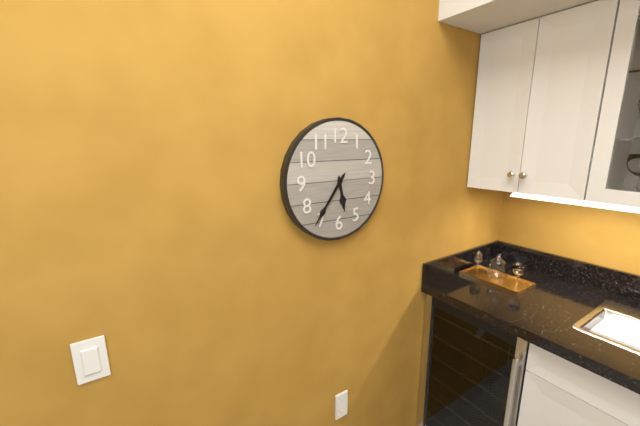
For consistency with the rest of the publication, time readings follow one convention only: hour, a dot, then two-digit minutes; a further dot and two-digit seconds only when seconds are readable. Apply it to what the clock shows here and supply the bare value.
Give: 5.36
